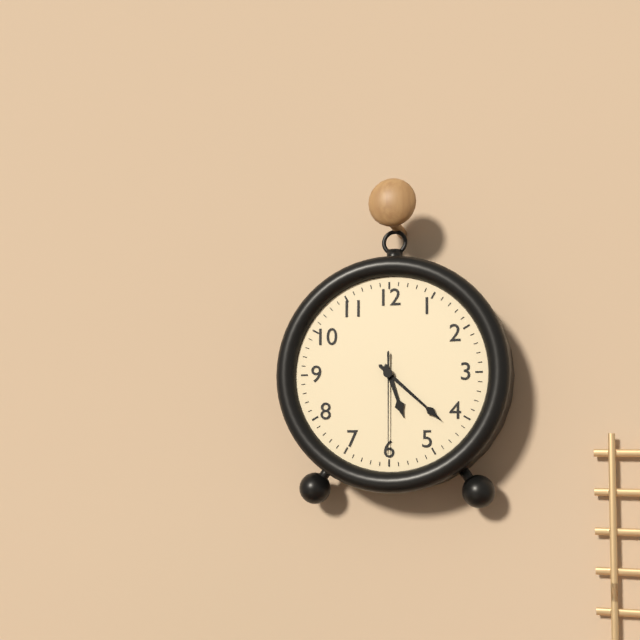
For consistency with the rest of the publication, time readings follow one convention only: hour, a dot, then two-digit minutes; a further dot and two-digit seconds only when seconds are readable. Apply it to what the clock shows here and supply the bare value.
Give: 5.22.30
